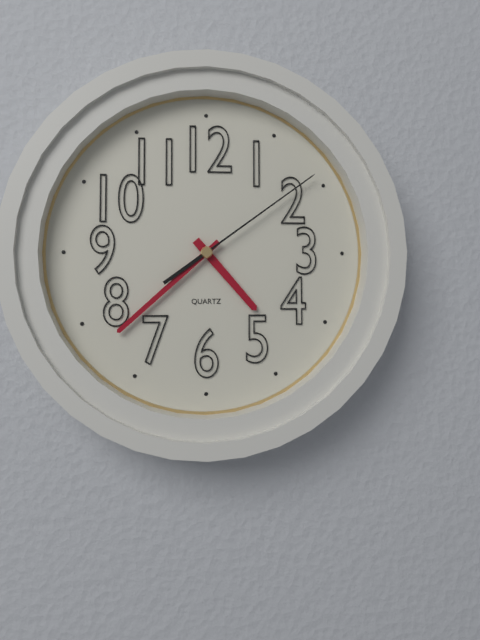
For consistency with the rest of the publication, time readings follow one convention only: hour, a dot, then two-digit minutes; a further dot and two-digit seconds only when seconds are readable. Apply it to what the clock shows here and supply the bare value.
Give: 4.38.09
